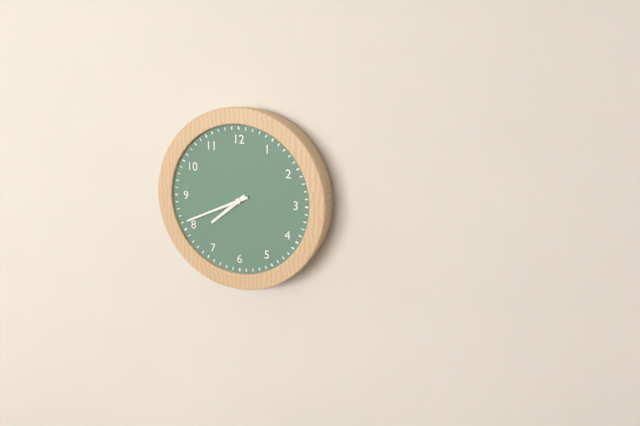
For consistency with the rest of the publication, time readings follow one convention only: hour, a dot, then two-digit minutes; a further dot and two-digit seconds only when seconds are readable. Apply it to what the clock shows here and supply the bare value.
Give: 7.41
